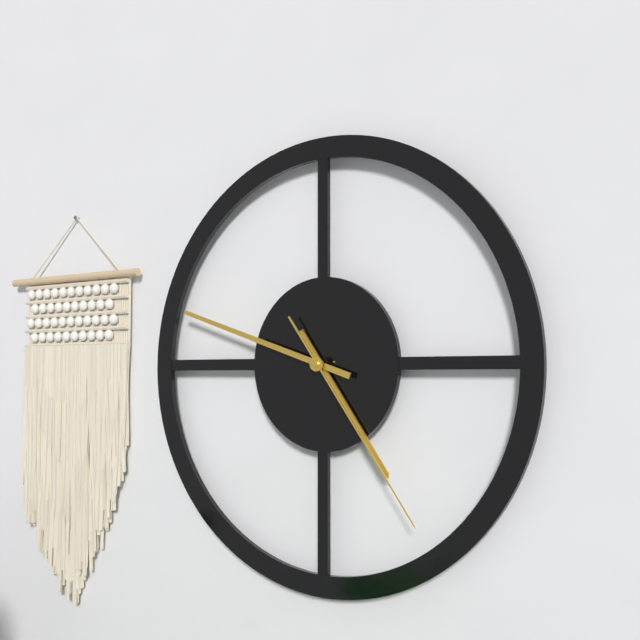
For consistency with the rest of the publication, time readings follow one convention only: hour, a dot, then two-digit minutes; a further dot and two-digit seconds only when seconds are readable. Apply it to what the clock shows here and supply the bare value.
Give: 4.48.24
